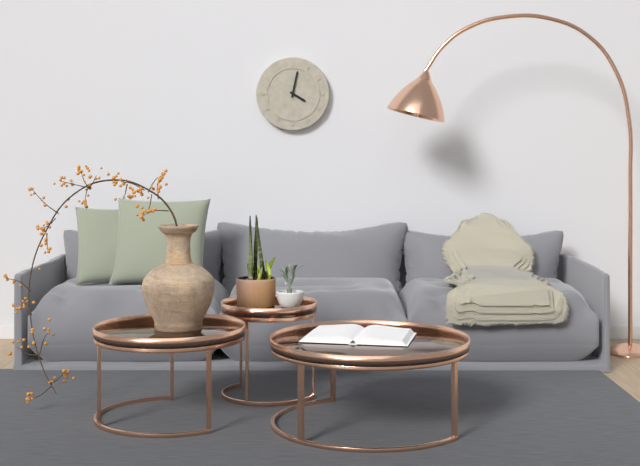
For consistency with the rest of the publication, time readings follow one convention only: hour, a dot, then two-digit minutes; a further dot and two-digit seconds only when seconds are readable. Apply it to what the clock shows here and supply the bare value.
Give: 4.02
